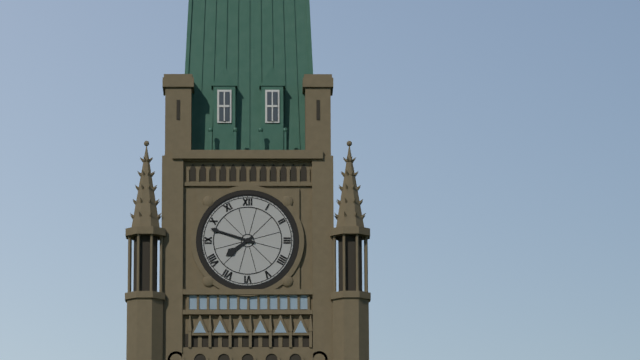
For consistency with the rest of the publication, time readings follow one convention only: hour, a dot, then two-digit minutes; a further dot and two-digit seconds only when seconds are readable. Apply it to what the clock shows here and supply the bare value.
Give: 7.48
